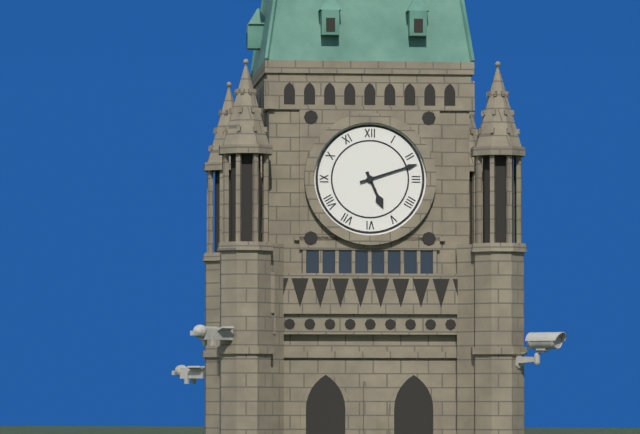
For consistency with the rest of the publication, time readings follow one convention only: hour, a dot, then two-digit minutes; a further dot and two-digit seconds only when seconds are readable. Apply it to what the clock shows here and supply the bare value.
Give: 5.12
